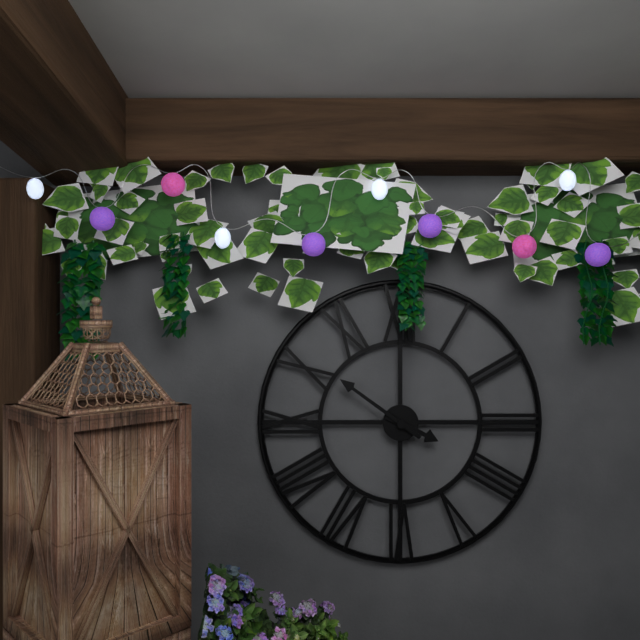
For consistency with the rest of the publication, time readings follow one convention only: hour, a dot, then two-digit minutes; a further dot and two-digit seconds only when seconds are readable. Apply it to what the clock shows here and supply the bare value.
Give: 3.51
